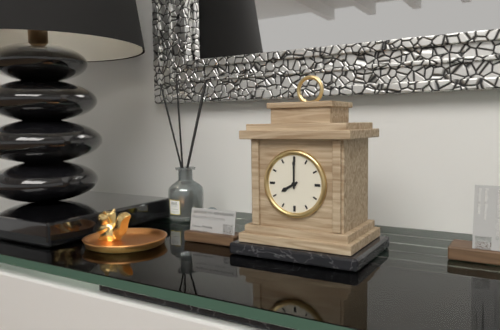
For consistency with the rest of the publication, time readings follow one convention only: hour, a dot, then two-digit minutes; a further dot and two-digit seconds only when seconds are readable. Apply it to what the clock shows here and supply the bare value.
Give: 8.00
